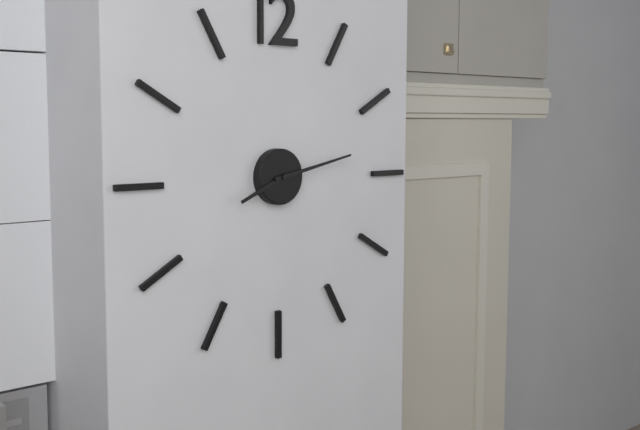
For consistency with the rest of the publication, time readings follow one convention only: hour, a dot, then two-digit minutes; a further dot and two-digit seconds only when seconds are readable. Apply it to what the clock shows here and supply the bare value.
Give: 8.13
